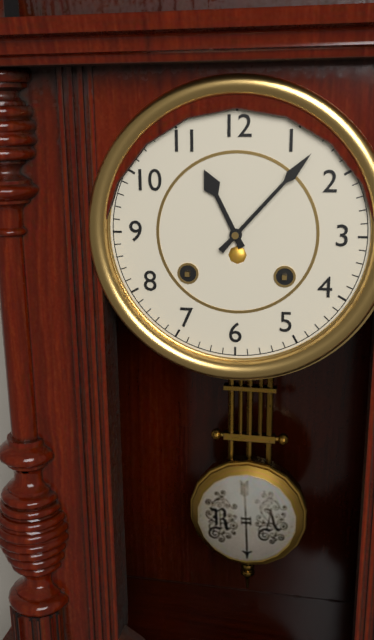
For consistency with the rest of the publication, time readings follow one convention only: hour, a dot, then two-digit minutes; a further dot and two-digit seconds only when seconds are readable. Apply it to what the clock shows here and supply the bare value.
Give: 11.07
